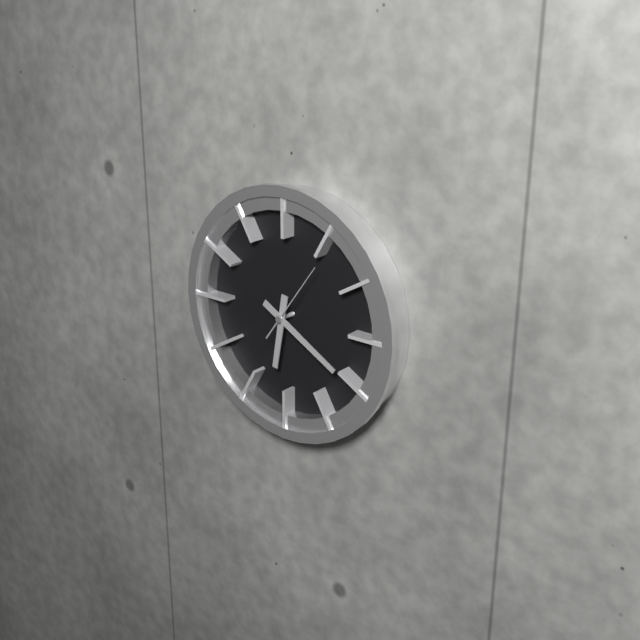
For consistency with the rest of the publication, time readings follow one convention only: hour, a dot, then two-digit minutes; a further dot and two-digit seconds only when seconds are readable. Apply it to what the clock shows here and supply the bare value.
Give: 6.20.06
